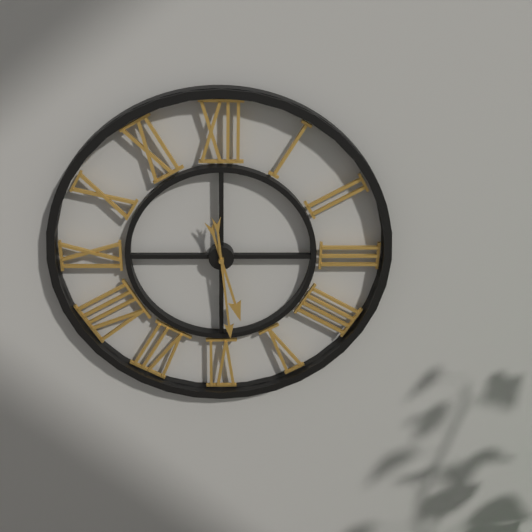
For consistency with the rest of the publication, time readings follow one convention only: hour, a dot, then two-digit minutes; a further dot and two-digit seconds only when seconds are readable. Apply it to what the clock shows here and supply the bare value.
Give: 5.29
